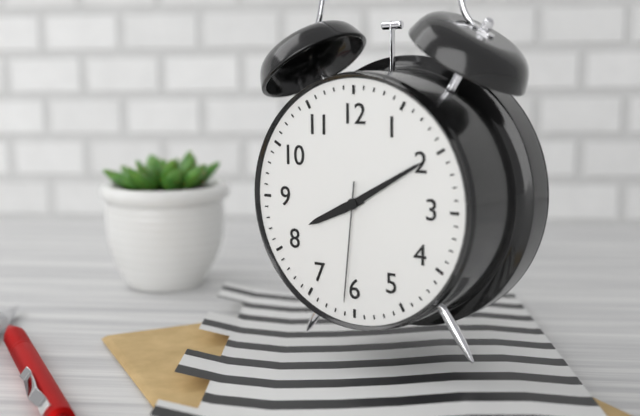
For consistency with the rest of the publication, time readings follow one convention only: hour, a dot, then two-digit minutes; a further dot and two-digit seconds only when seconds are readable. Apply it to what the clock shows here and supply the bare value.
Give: 8.10.31
